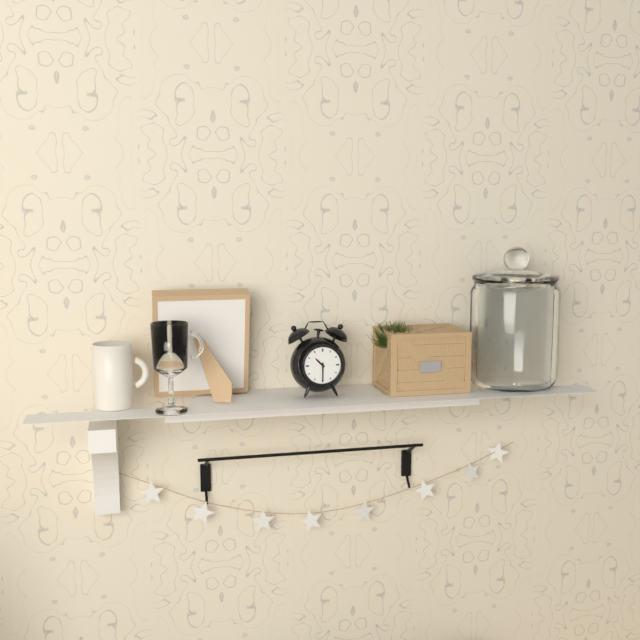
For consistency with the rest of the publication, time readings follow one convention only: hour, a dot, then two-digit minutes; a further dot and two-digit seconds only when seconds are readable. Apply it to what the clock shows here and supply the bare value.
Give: 10.30
